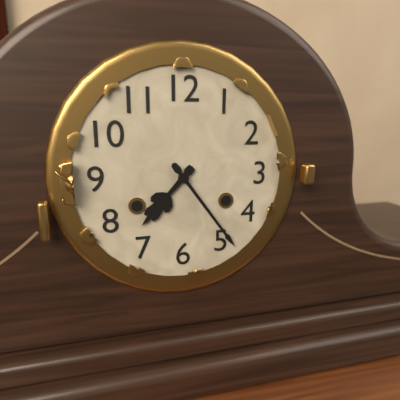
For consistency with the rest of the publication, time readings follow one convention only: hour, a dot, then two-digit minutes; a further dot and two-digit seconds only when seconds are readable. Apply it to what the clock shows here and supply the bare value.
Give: 7.24
